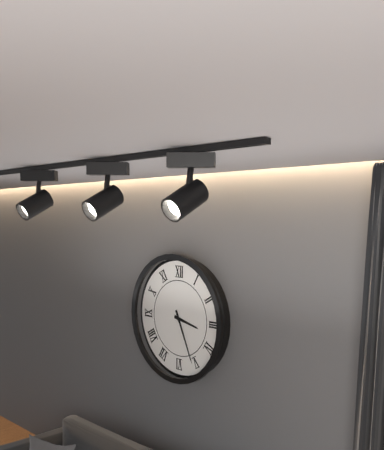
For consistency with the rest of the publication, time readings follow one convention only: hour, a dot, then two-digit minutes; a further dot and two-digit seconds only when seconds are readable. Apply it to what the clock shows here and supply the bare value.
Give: 3.26
